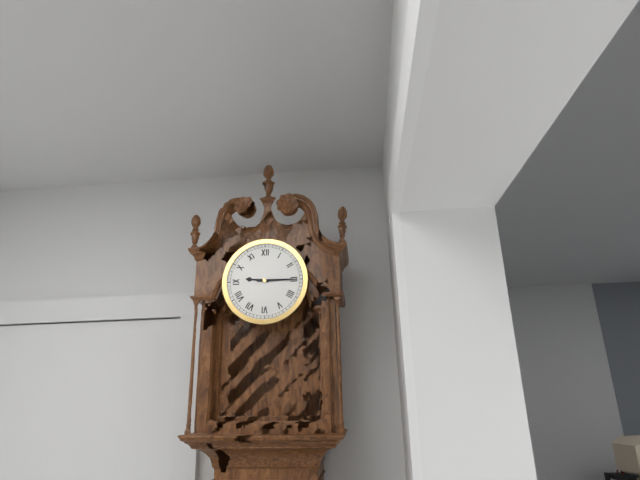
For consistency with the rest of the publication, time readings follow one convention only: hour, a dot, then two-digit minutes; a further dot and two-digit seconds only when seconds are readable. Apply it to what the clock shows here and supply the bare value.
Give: 9.15
